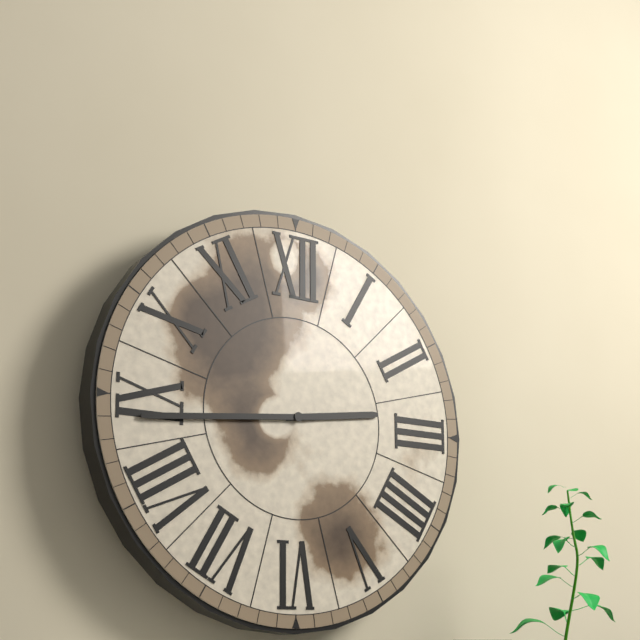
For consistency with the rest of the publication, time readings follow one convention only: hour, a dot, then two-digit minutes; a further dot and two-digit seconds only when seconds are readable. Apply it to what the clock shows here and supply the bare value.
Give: 2.44
